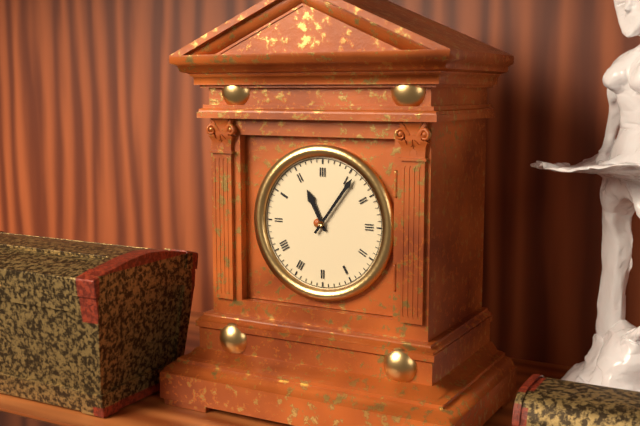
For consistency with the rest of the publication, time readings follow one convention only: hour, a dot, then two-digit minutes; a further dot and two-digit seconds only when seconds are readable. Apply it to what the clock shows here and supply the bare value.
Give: 11.06
